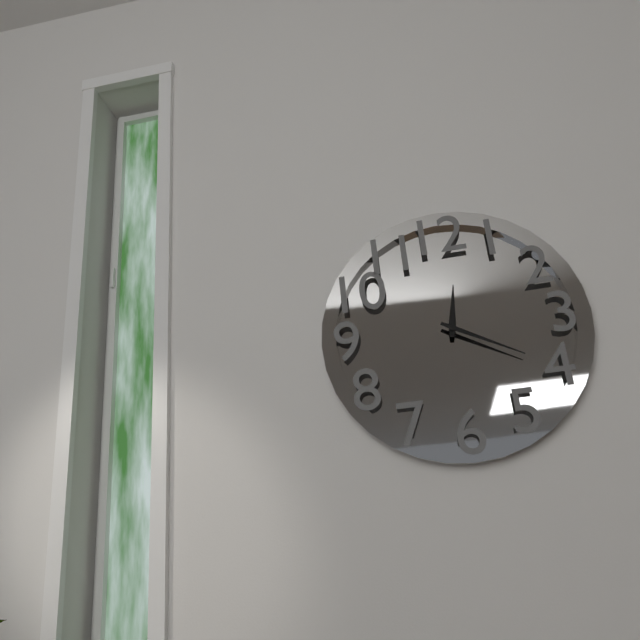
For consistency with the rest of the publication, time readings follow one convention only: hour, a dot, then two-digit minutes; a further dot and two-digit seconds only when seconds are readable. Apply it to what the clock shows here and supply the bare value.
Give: 12.20
